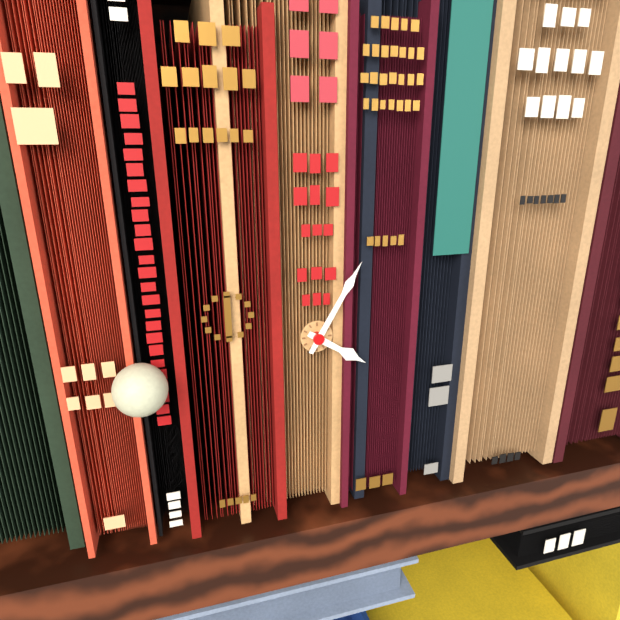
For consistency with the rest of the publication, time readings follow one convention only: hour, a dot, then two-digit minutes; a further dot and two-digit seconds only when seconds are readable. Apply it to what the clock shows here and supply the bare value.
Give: 4.05
